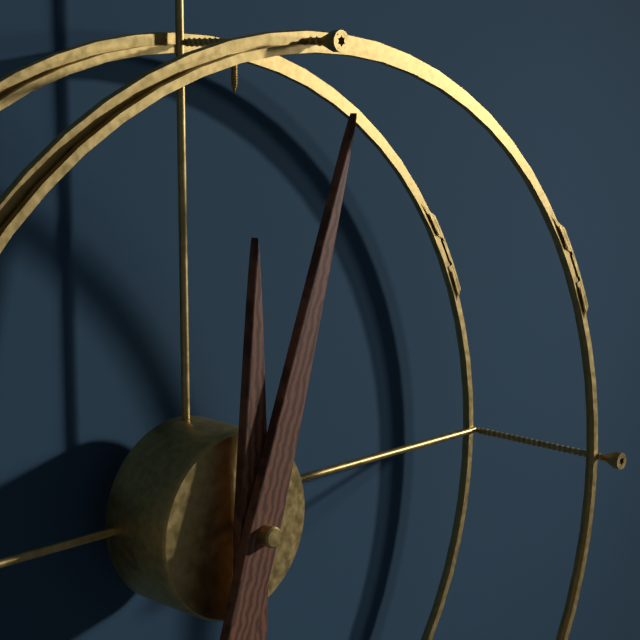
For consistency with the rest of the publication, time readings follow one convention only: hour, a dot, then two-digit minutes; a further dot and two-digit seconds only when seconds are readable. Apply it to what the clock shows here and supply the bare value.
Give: 12.03
